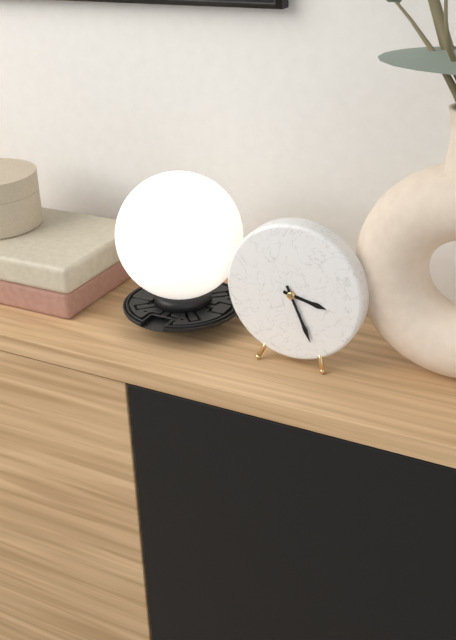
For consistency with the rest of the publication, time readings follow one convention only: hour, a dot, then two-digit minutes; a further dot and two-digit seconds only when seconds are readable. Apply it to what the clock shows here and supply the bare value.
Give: 3.26
